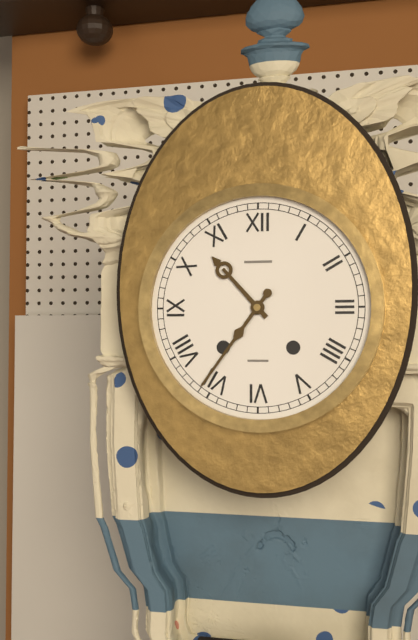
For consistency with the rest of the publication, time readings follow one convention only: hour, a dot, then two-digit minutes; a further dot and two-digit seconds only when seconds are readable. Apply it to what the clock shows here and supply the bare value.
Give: 10.36
